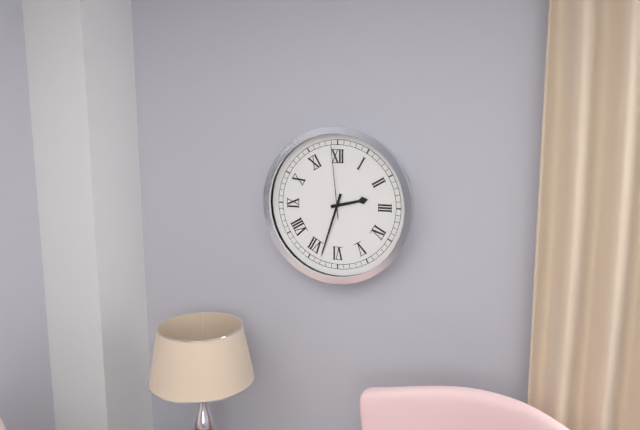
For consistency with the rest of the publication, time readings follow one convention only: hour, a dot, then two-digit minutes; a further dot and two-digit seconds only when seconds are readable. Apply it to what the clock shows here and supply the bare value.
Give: 2.33.59
